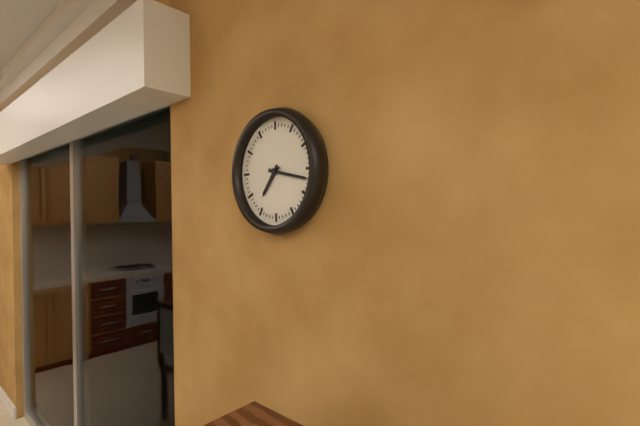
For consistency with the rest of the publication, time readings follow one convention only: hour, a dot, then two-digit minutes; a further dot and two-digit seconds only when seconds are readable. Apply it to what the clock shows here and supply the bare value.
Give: 7.17
